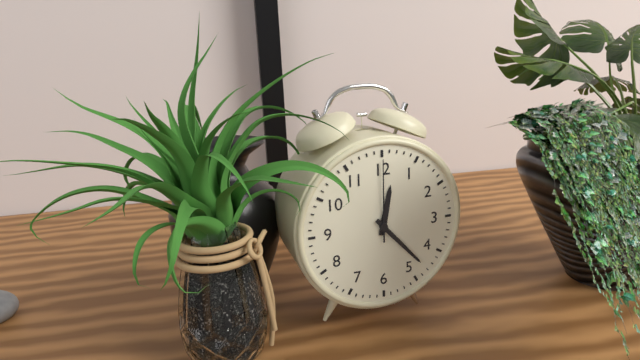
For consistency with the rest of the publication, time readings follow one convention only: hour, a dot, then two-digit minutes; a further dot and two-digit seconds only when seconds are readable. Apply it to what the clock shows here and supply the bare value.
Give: 12.23.00
